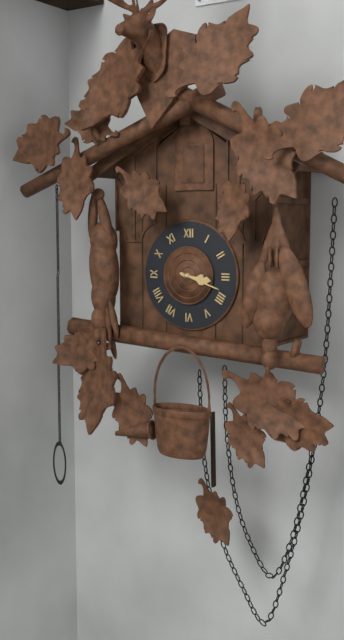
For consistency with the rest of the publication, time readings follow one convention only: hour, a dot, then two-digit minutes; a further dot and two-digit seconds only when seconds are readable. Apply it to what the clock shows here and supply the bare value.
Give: 3.18
